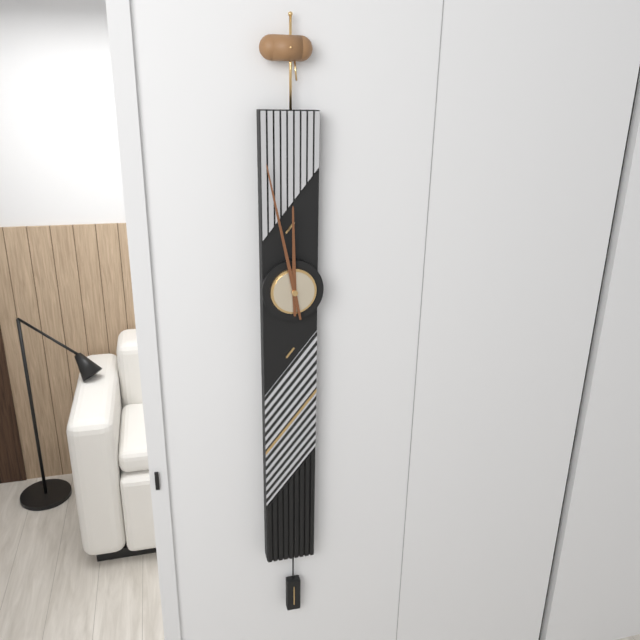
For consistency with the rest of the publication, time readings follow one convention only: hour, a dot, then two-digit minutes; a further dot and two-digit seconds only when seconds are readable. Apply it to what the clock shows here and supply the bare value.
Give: 11.58
